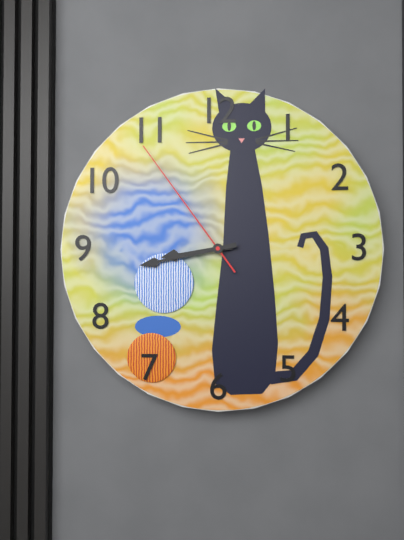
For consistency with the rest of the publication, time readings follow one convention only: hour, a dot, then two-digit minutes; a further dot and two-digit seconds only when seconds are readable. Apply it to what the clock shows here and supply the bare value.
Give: 8.43.54
